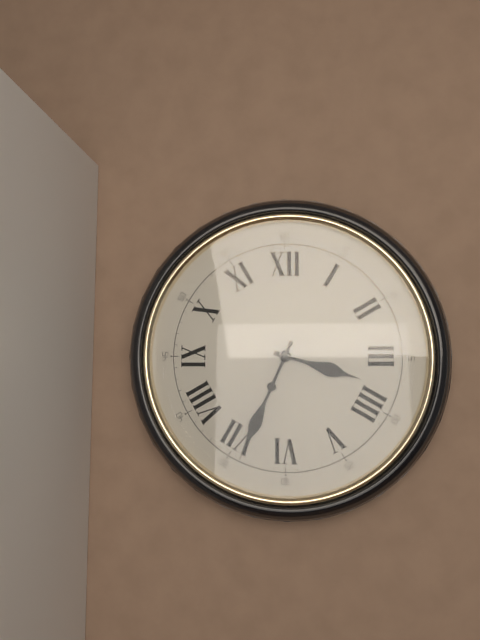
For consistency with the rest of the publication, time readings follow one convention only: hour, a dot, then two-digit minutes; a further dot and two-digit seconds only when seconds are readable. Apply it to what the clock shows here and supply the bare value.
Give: 3.34
